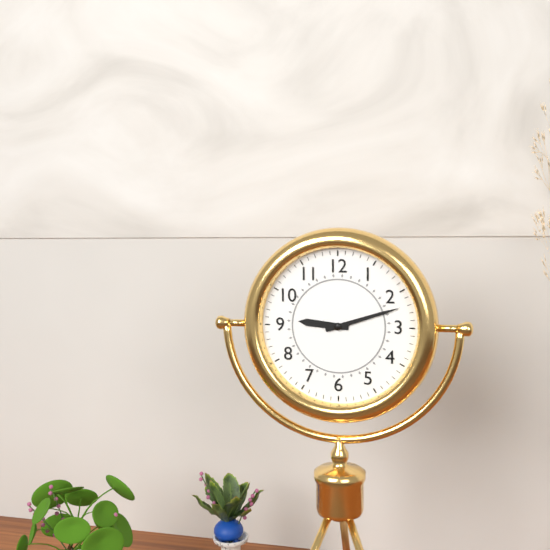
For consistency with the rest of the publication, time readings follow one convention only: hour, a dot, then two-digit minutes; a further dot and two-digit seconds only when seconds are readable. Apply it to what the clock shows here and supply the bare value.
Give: 9.12
